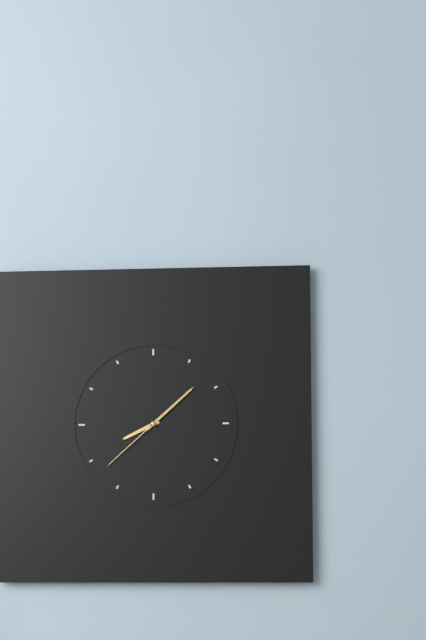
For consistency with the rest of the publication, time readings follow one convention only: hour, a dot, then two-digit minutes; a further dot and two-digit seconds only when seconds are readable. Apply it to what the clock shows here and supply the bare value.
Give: 8.08.38
